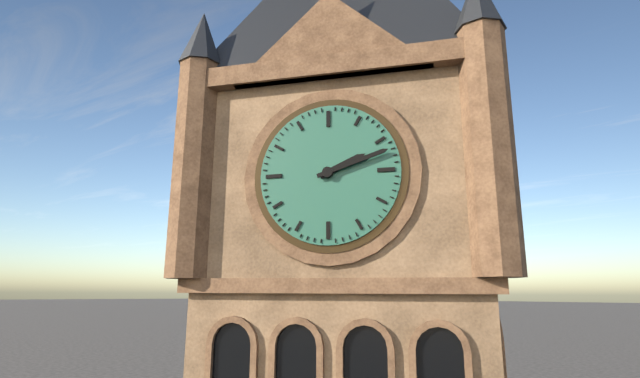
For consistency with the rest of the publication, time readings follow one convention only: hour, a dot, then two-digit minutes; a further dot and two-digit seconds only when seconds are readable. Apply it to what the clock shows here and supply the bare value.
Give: 2.12
